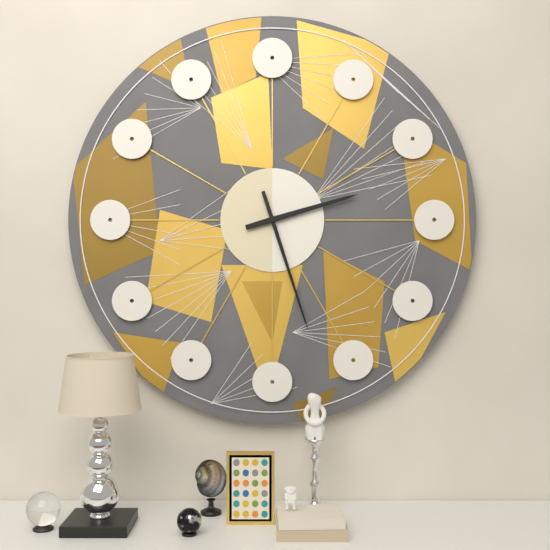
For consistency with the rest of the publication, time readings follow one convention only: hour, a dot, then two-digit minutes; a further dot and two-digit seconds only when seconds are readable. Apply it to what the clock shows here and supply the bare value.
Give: 2.27
